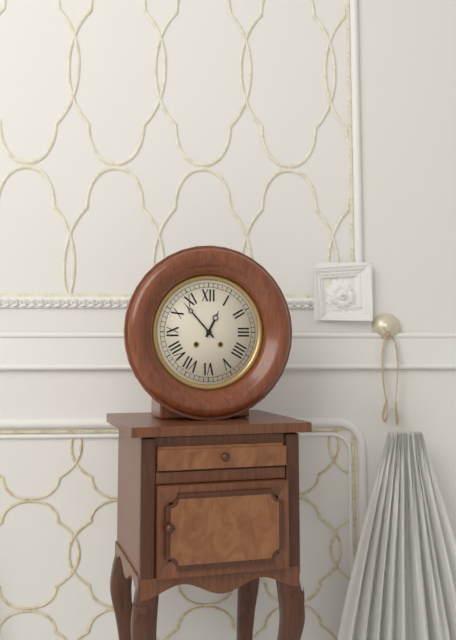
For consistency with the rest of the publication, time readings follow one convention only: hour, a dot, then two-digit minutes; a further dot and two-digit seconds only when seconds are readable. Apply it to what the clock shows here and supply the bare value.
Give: 12.53
